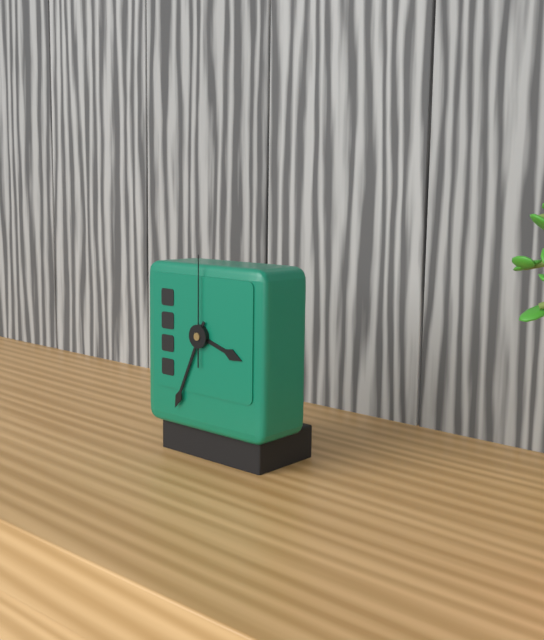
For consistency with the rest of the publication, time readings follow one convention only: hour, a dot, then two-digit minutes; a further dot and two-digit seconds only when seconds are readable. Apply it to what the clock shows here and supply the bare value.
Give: 3.34.00
